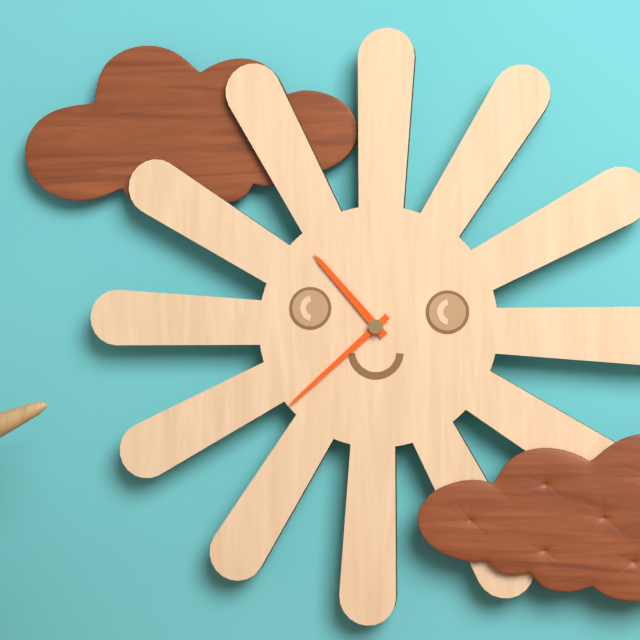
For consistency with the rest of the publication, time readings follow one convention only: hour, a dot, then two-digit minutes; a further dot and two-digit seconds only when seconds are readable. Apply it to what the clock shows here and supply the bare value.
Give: 10.38
